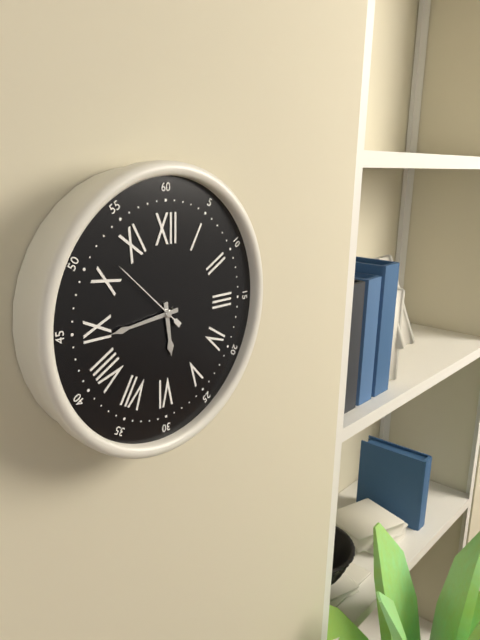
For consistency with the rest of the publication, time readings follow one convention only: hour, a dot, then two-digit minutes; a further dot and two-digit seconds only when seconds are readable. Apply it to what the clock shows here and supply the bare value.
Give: 5.44.52
